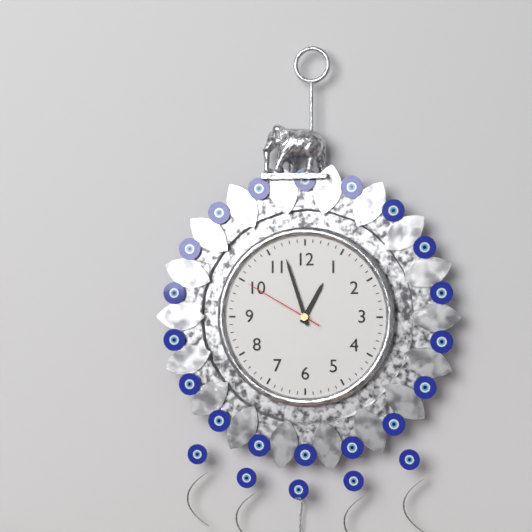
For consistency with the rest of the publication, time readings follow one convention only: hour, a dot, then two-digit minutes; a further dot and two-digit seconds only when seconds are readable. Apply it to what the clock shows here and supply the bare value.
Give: 12.57.50
